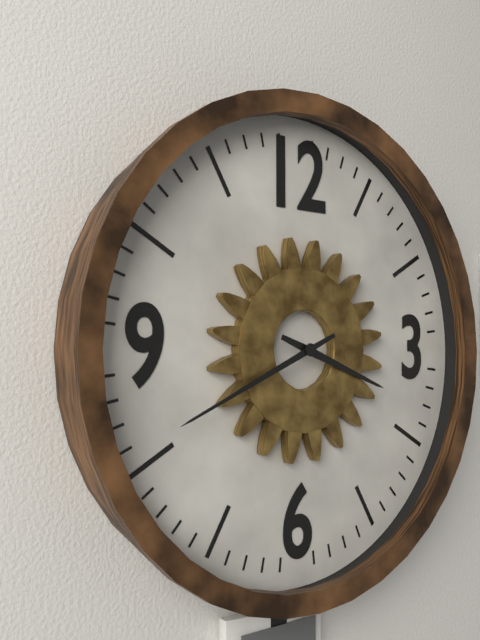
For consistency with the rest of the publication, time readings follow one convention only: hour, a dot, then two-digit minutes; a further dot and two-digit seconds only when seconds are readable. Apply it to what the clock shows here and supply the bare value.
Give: 3.41
